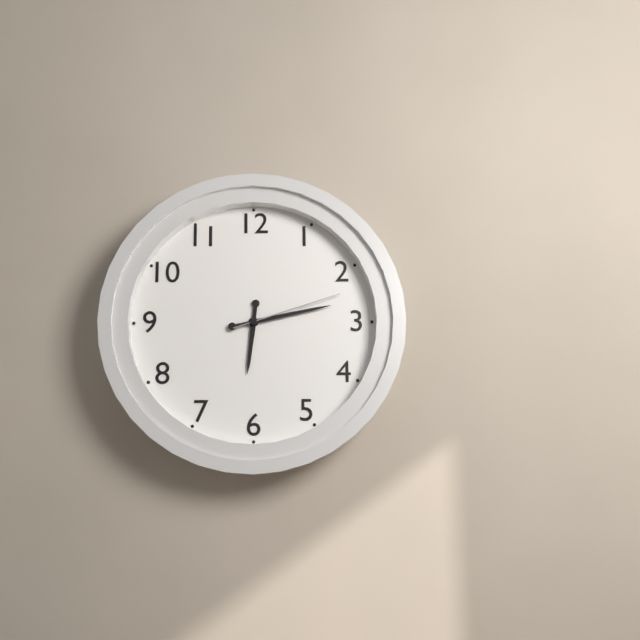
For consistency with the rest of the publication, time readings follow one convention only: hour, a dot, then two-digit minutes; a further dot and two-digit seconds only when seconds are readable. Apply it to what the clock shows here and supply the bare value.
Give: 6.13.12
